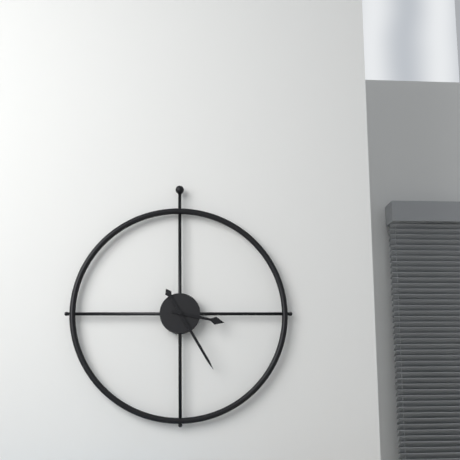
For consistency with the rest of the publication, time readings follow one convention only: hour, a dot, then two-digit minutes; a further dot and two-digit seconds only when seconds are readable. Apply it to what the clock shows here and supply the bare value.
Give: 3.25
